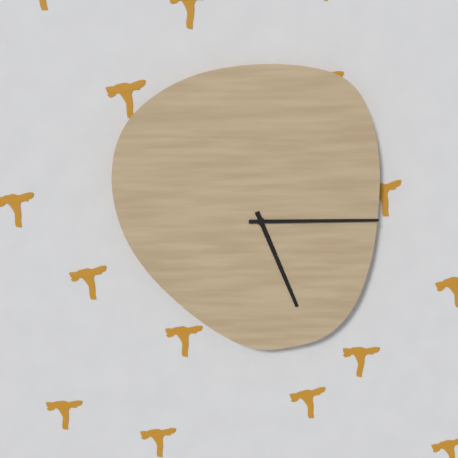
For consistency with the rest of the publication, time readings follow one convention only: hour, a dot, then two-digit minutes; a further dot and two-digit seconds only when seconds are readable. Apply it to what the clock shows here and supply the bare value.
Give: 5.15
